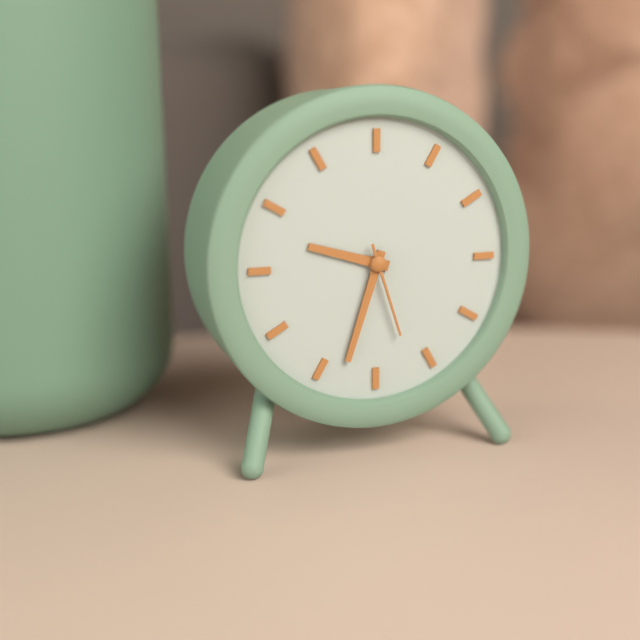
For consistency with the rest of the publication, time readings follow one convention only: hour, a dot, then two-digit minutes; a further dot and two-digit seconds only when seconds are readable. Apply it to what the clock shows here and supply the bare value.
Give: 9.33.27
